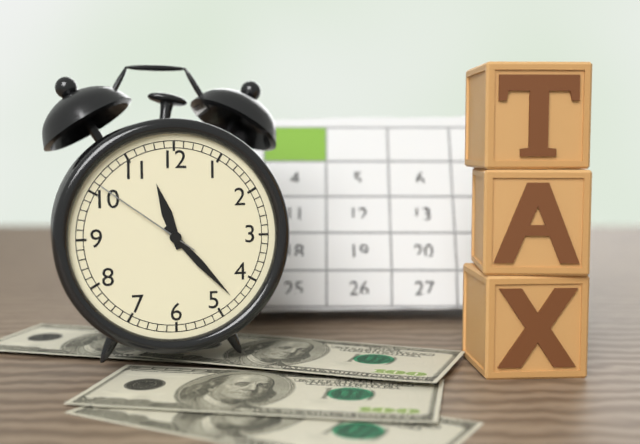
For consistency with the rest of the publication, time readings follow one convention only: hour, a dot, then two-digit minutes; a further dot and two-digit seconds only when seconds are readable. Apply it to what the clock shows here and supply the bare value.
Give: 11.23.51
